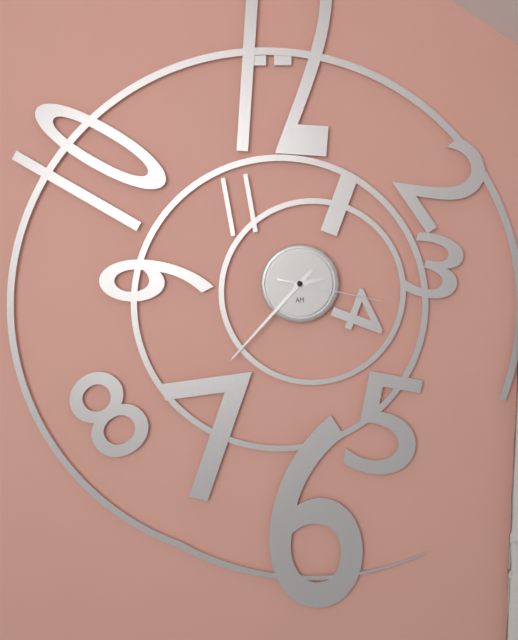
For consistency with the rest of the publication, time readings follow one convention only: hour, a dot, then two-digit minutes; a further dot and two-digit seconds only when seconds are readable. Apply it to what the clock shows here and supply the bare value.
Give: 2.37.17
